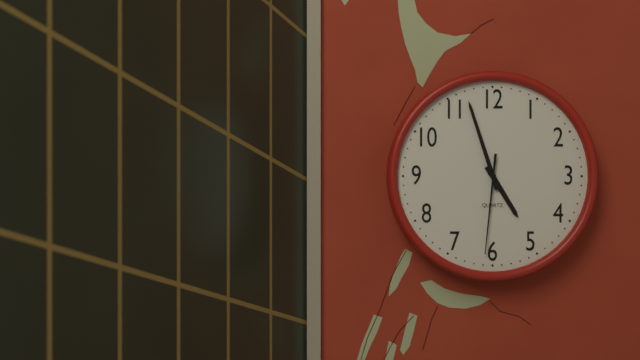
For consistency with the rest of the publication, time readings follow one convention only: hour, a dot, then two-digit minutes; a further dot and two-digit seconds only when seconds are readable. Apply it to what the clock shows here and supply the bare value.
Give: 4.57.31
